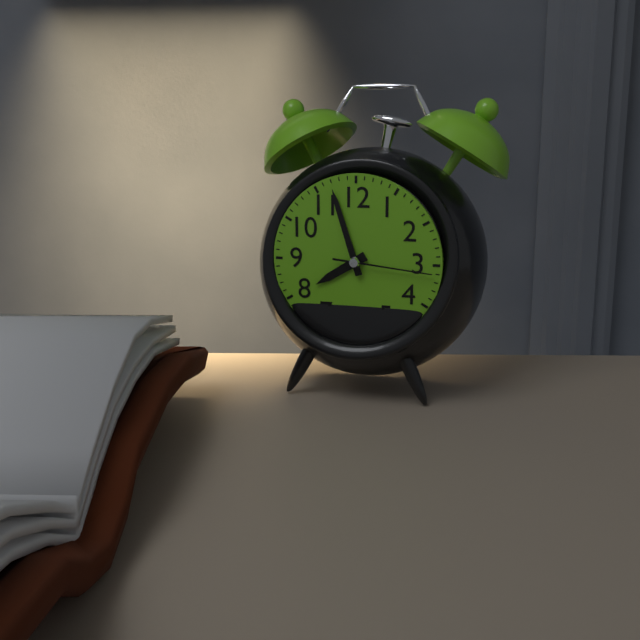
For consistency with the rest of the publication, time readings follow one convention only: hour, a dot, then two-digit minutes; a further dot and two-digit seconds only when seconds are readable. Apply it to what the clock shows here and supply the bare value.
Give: 7.57.16
